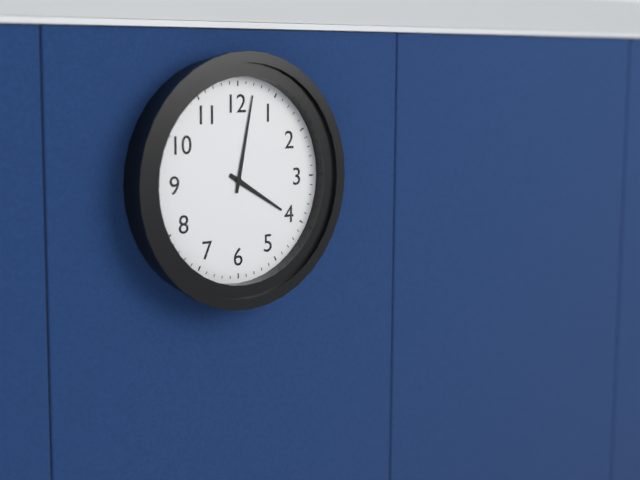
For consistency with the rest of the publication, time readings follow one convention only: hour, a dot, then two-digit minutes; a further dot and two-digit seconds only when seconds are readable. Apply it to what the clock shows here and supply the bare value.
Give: 4.02
